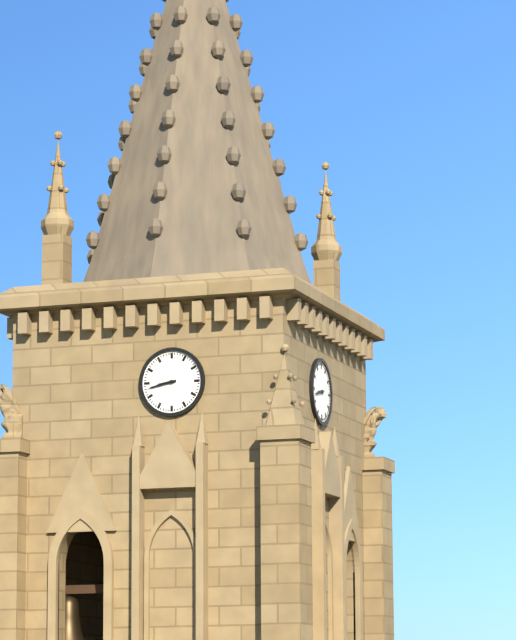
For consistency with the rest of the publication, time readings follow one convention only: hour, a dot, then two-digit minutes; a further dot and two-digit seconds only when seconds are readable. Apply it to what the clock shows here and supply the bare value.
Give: 8.43
